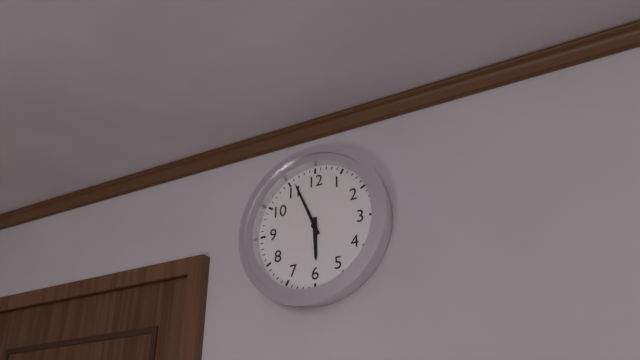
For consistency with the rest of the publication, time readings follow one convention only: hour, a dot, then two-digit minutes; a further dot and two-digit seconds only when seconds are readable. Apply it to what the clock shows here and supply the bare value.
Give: 5.56
